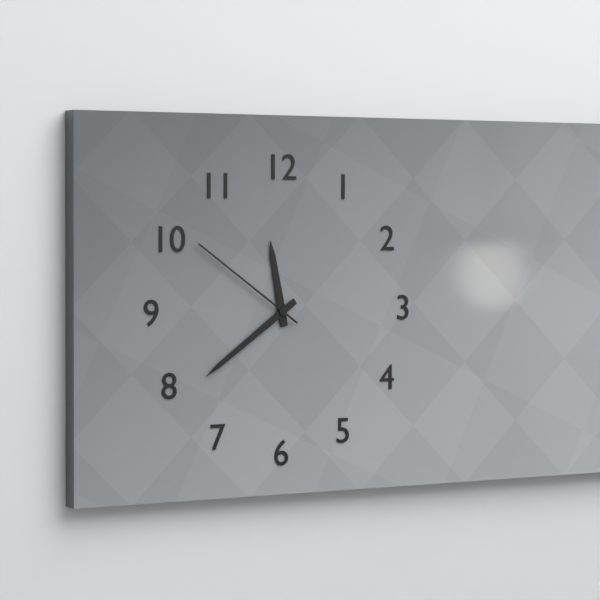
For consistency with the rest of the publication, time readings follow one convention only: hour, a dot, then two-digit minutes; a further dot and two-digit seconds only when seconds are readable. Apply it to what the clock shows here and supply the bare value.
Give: 11.39.51
